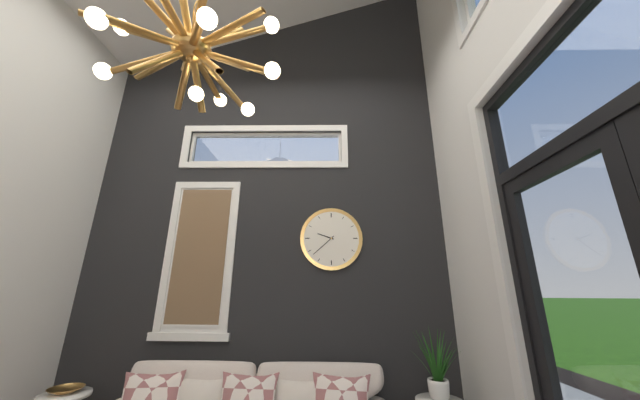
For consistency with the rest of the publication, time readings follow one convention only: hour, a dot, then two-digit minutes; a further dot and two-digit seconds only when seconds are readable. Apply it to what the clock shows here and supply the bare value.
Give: 9.38
